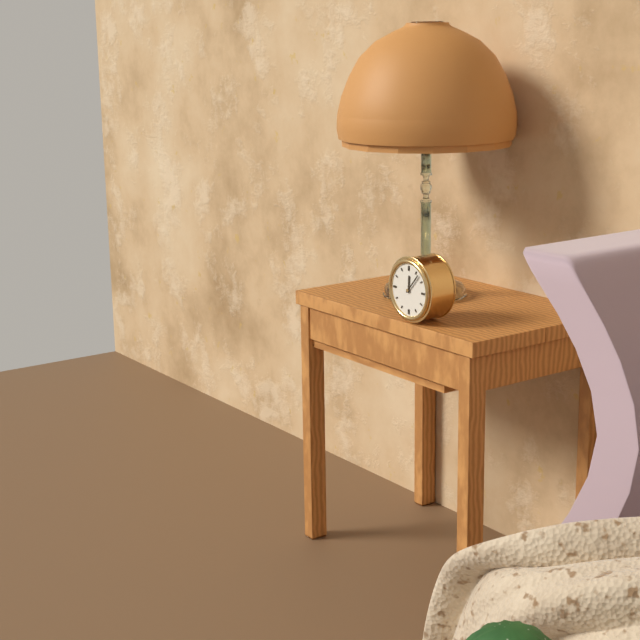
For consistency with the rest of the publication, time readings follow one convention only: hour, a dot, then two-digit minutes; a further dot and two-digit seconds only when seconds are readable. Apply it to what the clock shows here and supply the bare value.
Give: 12.07
